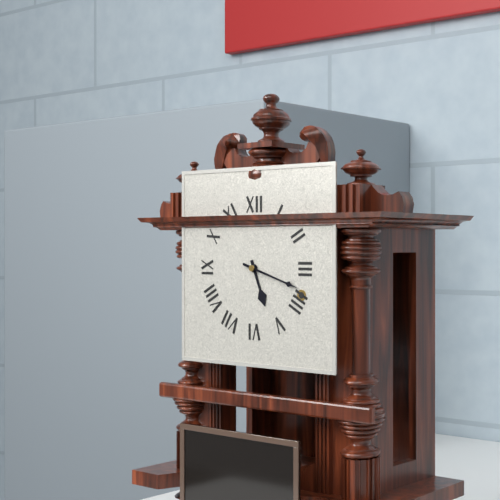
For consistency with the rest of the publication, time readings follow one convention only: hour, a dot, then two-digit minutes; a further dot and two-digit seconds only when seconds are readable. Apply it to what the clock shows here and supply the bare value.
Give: 5.18
